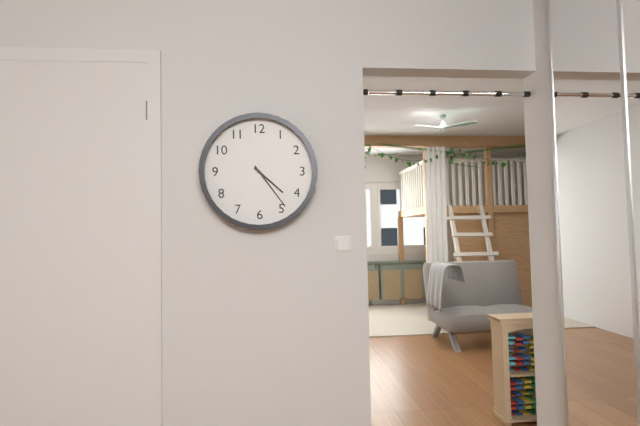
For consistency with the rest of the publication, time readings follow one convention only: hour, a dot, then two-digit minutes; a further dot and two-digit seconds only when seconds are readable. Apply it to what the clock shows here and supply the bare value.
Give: 4.24
